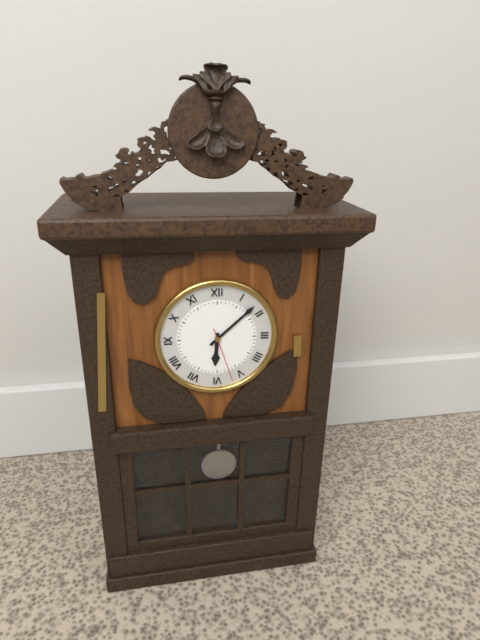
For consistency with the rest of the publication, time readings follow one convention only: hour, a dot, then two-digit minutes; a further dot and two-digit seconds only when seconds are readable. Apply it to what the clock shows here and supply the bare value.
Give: 6.08.27
